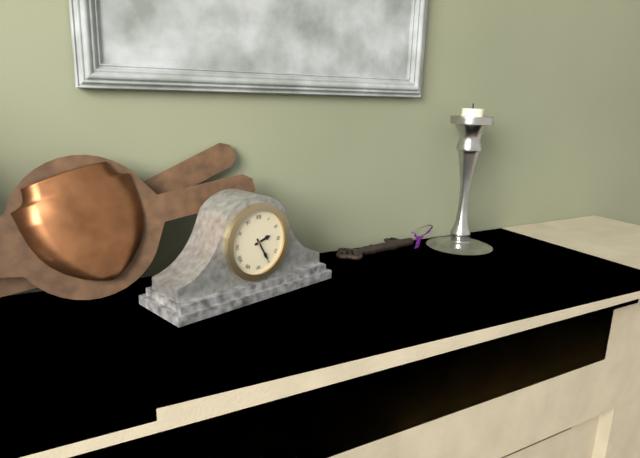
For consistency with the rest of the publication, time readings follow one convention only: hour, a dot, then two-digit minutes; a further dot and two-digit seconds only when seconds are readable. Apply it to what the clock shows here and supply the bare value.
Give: 2.25
